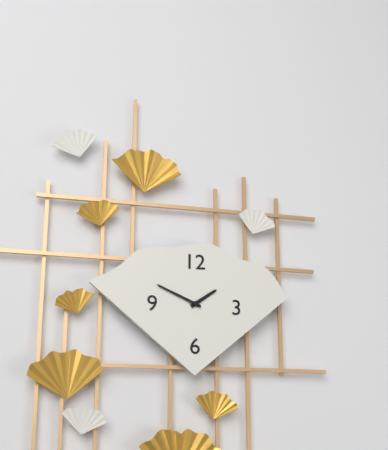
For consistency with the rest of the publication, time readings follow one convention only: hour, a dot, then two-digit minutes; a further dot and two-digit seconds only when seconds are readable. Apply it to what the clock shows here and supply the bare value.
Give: 1.49
